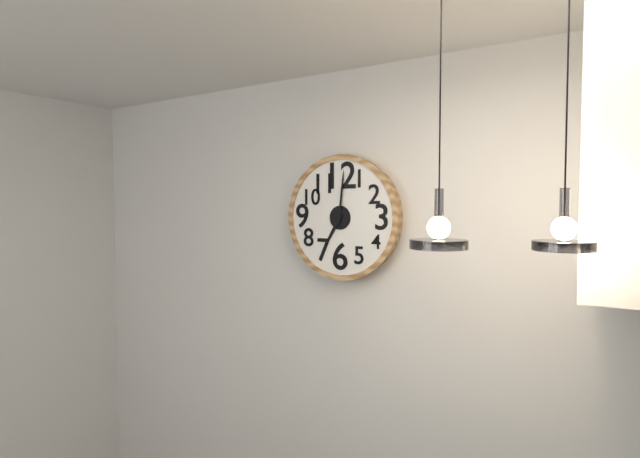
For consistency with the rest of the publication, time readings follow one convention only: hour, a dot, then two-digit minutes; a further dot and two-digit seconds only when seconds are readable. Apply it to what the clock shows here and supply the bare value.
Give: 7.01
